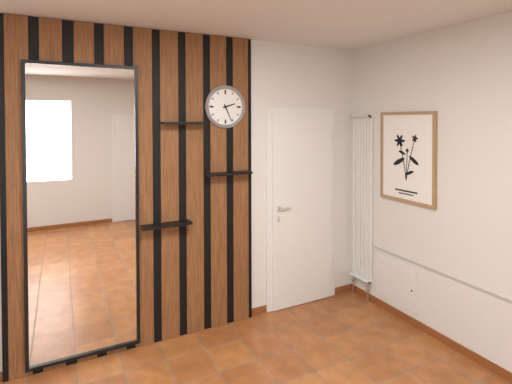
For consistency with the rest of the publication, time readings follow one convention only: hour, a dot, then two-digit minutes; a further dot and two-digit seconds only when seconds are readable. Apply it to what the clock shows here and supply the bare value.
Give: 2.26
